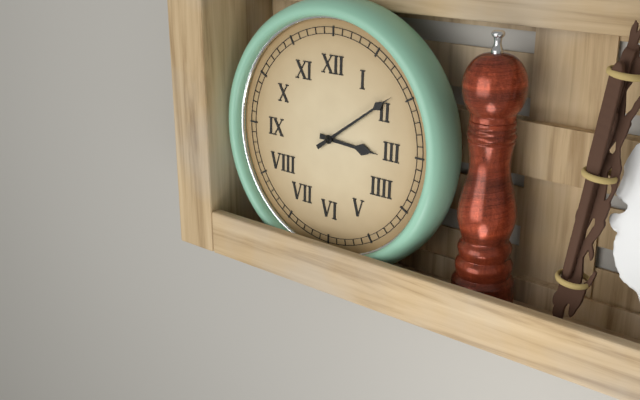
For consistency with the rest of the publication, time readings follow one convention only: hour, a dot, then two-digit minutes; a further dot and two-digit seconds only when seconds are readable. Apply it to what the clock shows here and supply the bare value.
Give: 3.09
